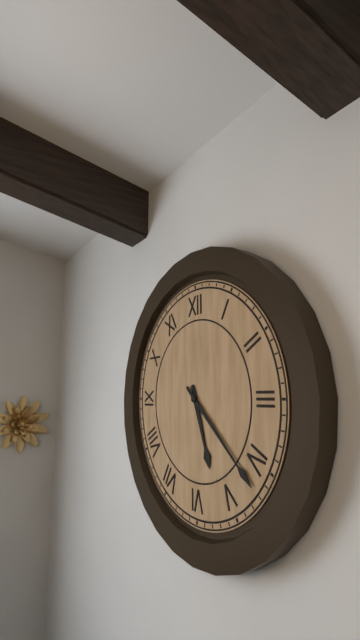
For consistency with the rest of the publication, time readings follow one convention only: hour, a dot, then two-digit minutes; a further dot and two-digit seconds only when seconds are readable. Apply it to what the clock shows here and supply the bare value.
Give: 5.22
